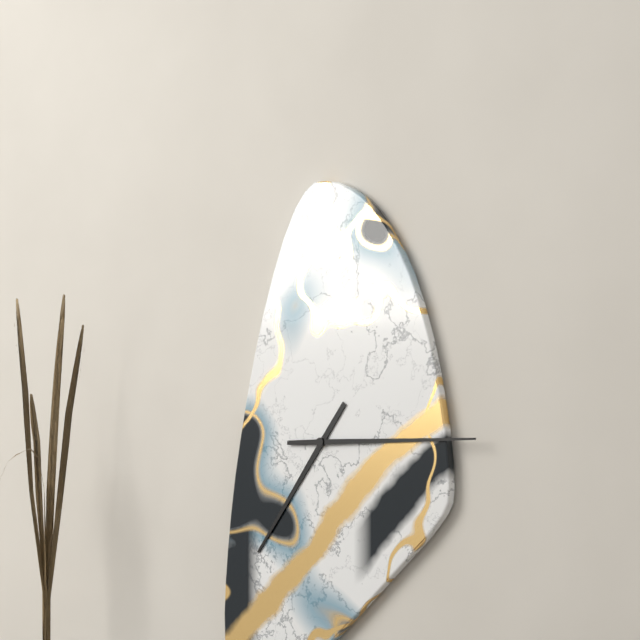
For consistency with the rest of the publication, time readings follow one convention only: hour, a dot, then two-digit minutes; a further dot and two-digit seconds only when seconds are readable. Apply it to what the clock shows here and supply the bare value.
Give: 7.15
